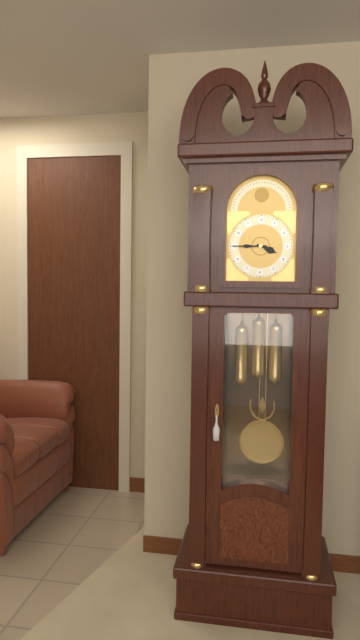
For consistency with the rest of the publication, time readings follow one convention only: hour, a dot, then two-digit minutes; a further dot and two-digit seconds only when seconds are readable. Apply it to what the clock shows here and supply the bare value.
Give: 3.45
